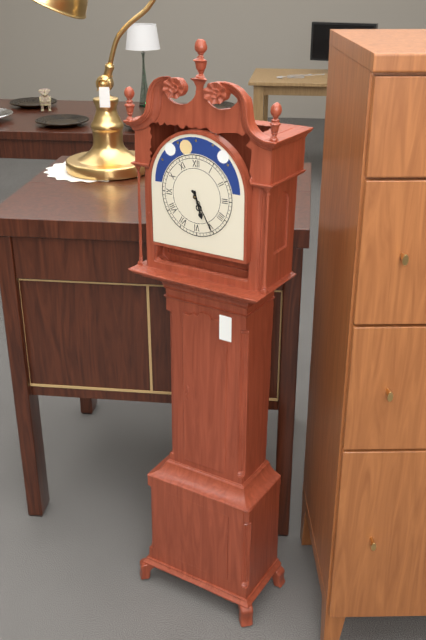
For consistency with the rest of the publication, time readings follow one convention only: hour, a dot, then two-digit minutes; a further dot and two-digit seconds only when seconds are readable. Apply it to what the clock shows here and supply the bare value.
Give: 5.25
